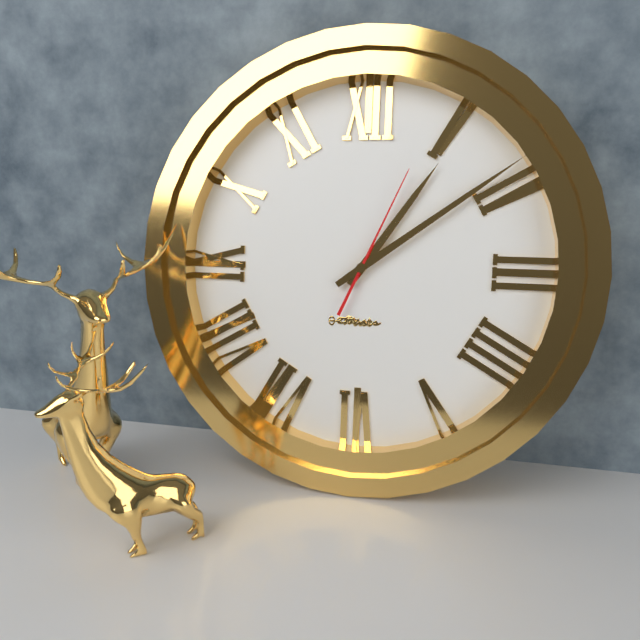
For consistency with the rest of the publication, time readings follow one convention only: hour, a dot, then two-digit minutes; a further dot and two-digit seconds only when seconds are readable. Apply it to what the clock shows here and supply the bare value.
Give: 1.09.04
